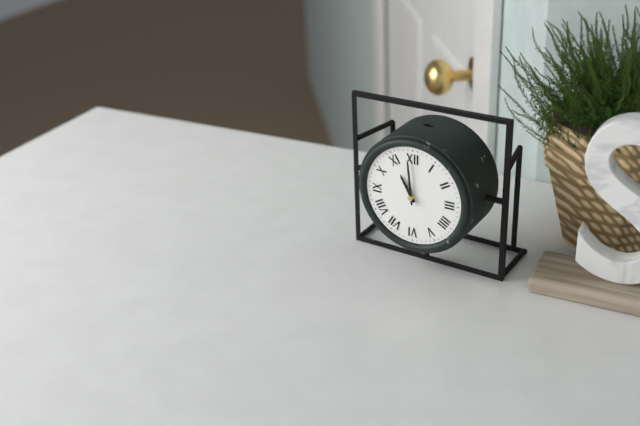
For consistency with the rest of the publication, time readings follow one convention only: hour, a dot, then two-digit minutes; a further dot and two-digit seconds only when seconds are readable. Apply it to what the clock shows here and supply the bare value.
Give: 10.59
